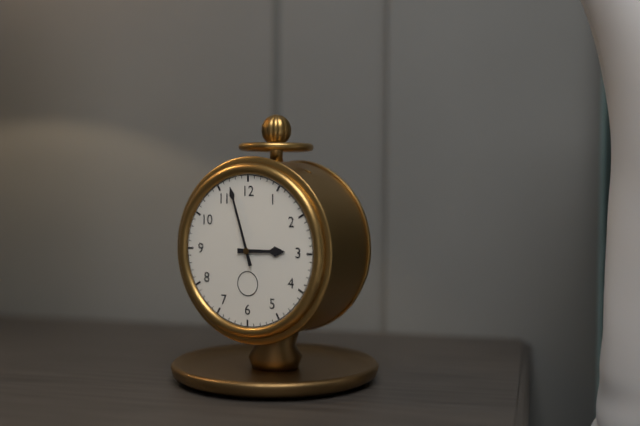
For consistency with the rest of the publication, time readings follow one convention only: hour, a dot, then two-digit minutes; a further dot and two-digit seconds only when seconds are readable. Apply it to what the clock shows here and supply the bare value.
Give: 2.57
